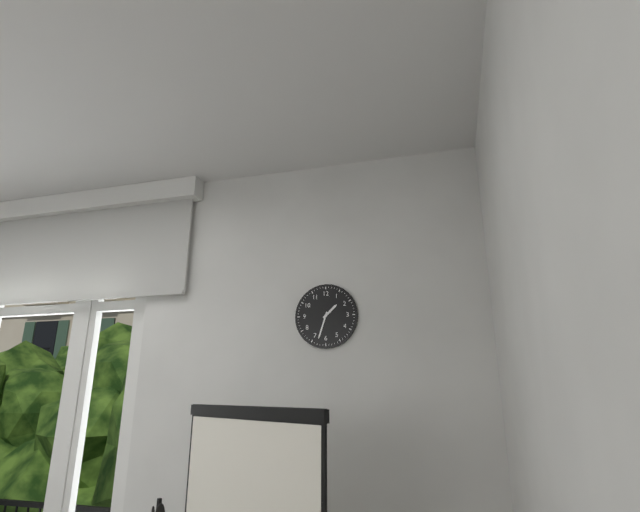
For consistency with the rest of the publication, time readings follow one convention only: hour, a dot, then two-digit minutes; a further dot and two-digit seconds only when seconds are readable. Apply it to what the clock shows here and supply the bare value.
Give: 1.33
